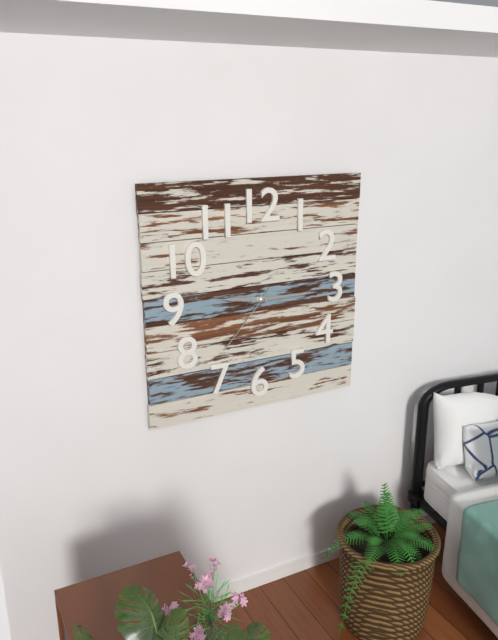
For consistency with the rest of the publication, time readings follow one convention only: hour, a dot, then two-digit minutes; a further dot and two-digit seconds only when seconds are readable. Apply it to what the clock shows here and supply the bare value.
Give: 9.15.37
